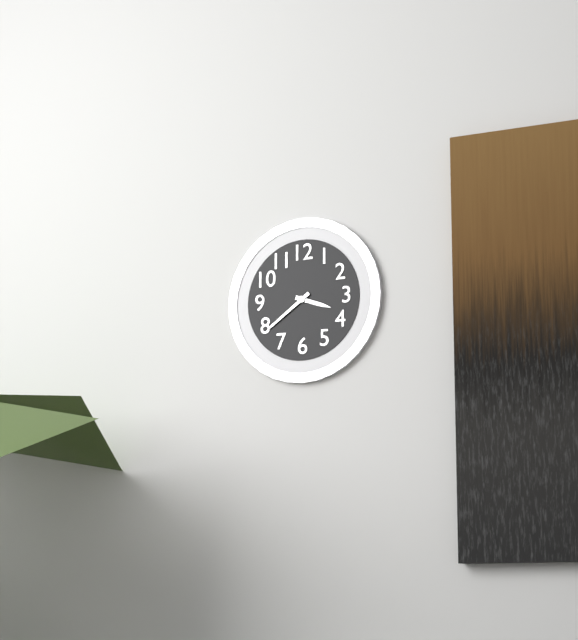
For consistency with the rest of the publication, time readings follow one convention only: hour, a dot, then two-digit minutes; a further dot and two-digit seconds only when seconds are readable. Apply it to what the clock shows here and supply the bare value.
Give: 3.39
